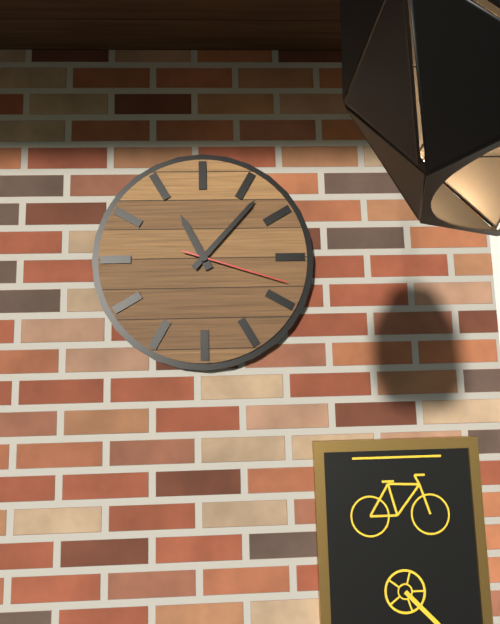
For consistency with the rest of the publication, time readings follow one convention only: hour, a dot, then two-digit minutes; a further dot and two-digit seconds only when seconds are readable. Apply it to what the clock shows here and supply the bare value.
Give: 11.07.18
